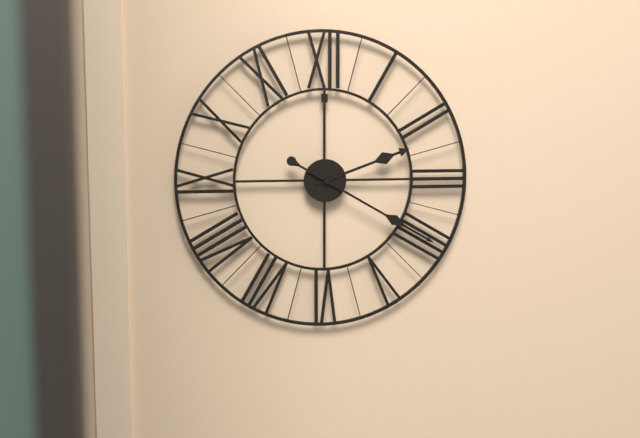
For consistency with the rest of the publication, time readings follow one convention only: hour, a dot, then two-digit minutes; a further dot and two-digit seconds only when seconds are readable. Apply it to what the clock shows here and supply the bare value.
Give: 2.20
